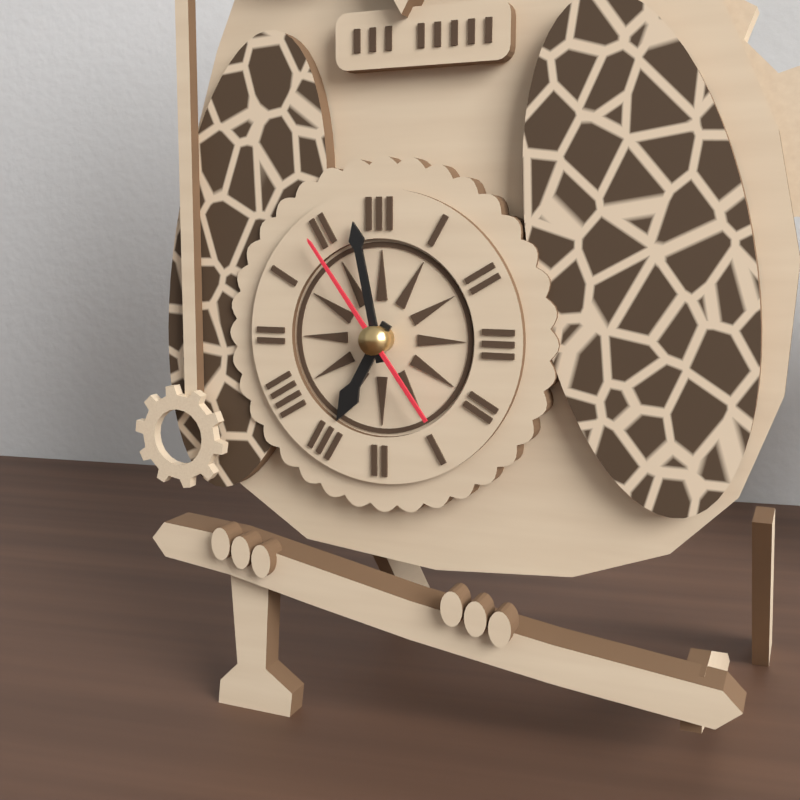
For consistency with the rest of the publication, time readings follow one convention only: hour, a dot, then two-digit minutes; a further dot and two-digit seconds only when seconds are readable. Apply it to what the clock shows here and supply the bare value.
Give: 6.58.54
